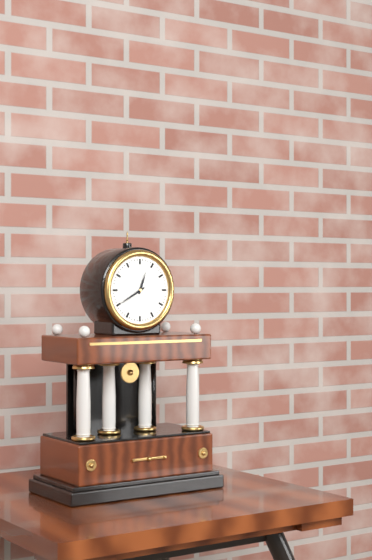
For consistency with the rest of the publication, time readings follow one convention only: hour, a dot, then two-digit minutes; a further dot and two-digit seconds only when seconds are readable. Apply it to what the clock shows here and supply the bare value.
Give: 12.40
